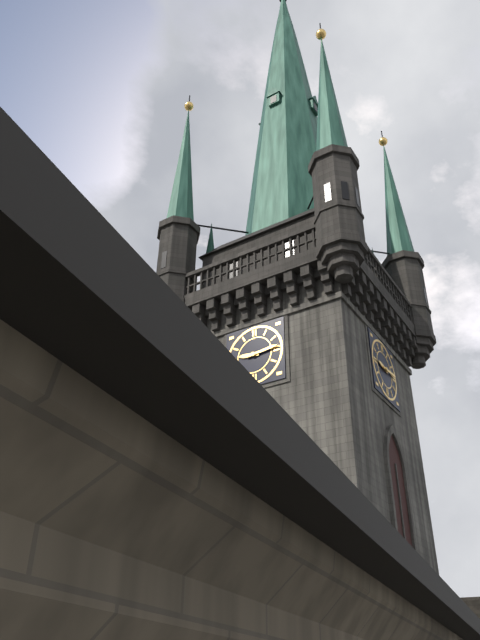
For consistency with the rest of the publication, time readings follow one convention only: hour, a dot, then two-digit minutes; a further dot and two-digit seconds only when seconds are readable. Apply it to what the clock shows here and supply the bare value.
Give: 9.14
